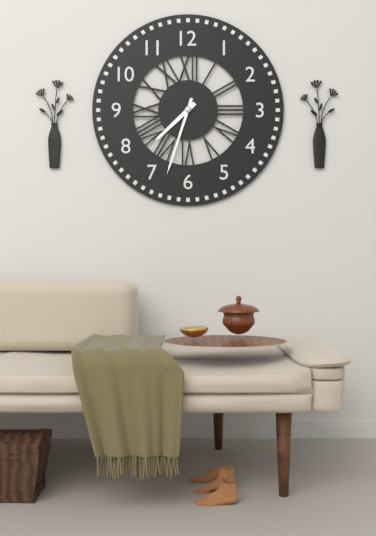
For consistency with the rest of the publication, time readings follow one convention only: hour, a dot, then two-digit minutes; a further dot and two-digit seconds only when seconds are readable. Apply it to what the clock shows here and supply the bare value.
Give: 7.33
